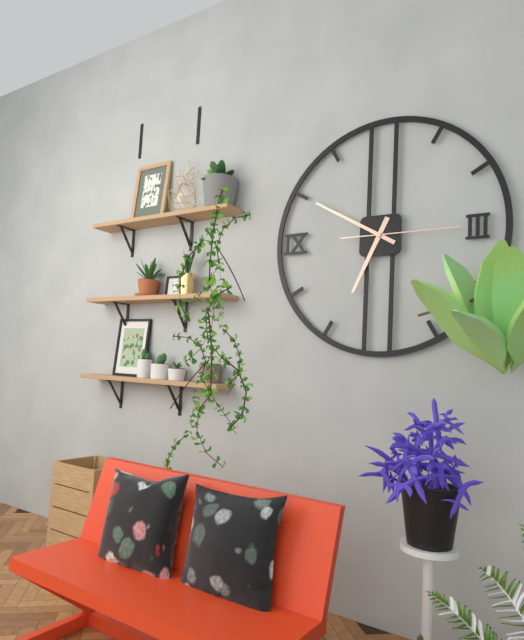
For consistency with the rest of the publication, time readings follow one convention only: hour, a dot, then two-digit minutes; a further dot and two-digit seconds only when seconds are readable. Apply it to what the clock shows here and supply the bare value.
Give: 6.50.15
